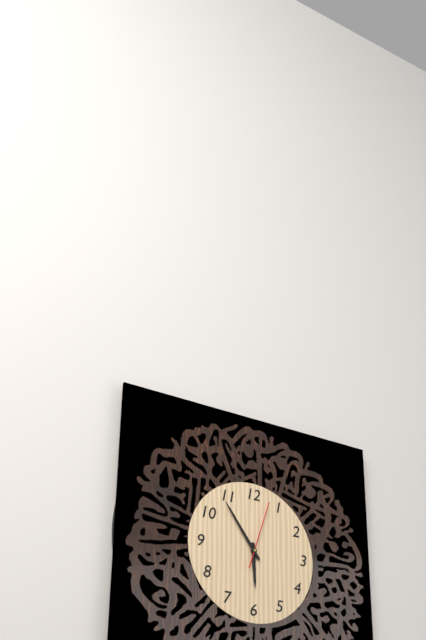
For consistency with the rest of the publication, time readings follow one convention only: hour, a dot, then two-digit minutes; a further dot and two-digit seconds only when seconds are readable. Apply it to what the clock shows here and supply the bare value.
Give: 5.54.03
